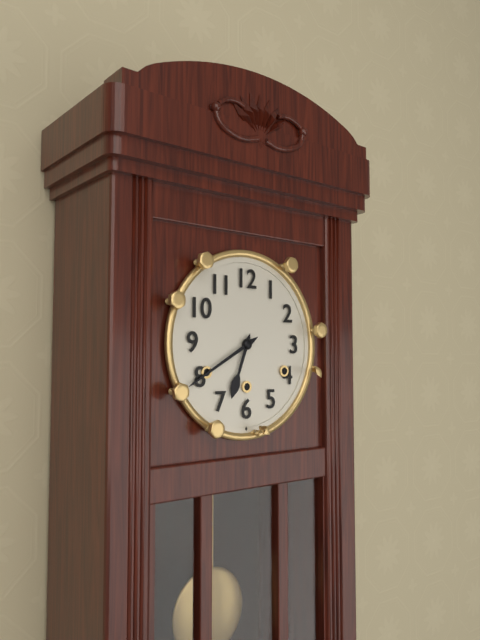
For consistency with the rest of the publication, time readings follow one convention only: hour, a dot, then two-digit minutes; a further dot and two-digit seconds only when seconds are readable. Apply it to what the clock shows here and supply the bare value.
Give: 6.40
